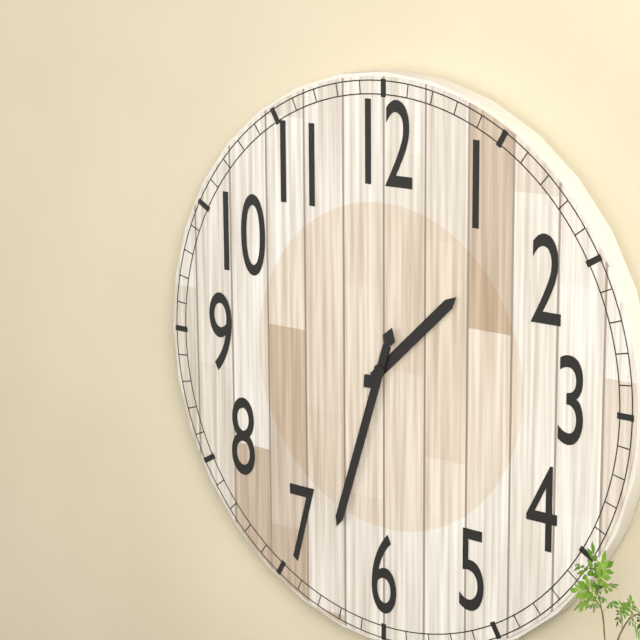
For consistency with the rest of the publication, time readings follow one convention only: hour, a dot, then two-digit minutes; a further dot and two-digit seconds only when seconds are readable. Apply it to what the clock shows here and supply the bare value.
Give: 1.33
